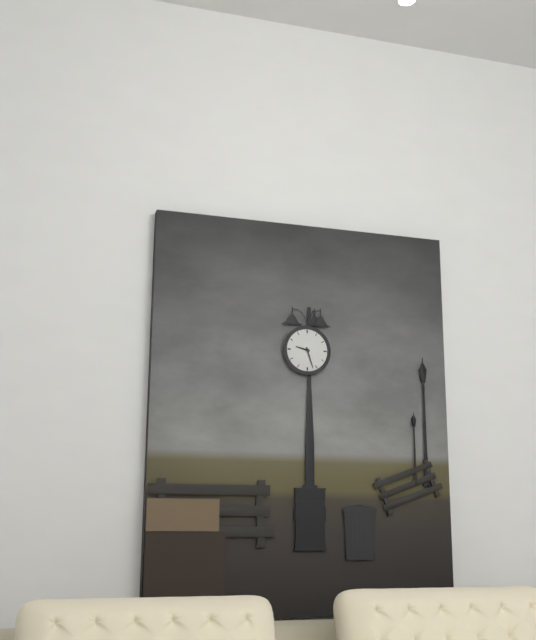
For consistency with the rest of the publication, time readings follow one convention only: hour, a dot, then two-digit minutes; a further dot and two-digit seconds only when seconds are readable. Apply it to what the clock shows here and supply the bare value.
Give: 9.27
